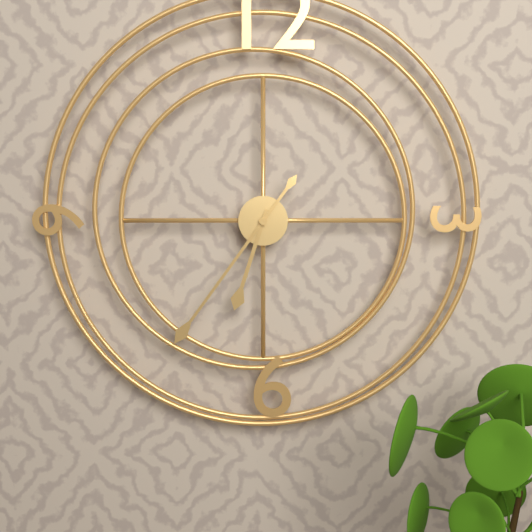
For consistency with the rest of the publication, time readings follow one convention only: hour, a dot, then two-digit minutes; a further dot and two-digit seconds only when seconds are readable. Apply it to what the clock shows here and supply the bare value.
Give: 6.36
